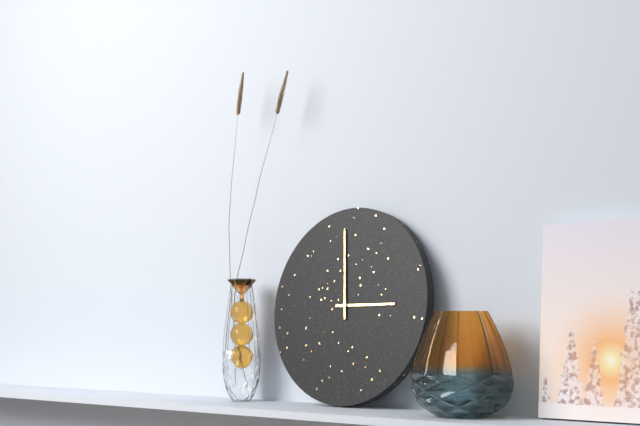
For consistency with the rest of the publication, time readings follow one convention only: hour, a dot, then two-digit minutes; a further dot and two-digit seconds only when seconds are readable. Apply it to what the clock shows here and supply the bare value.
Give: 2.59
